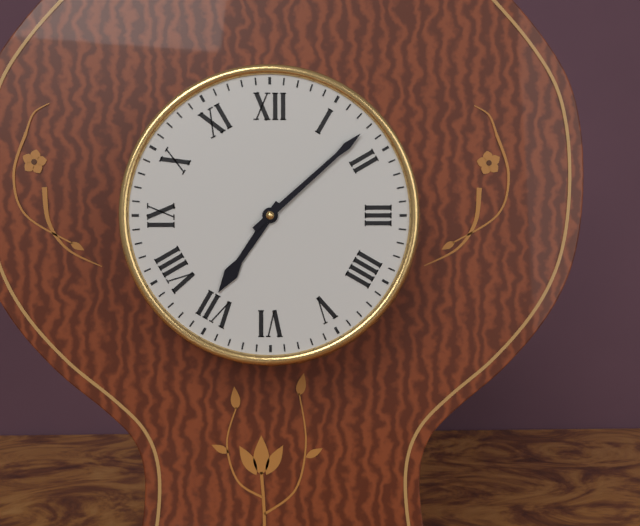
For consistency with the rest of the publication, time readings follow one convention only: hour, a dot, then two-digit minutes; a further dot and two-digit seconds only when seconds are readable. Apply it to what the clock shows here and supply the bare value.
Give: 7.08
